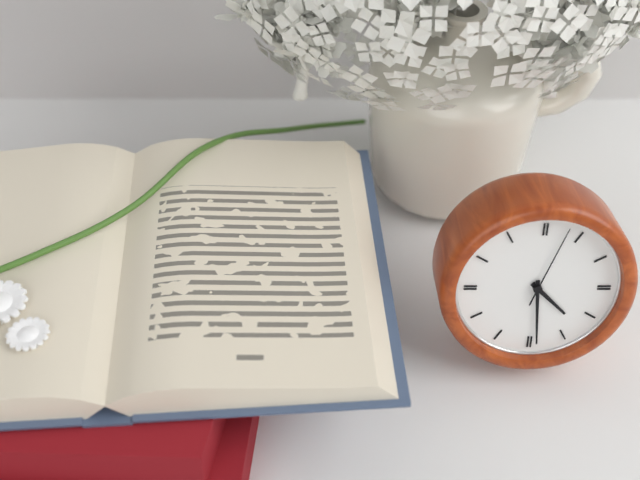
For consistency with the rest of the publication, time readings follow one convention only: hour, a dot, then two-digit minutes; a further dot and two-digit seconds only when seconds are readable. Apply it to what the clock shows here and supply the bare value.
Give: 4.29.03
